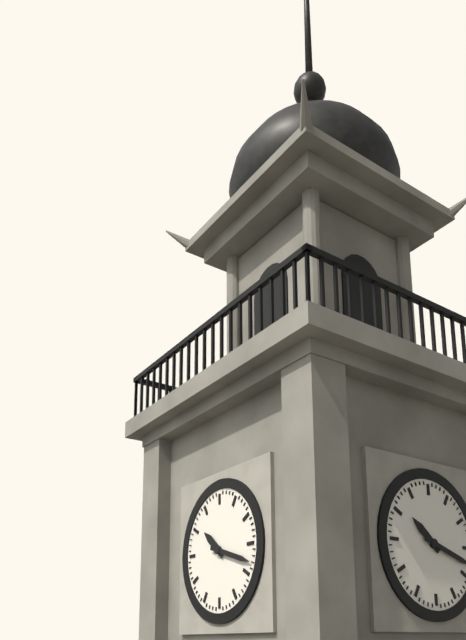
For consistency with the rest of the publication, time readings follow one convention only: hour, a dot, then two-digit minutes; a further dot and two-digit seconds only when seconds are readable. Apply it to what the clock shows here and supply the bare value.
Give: 10.18
